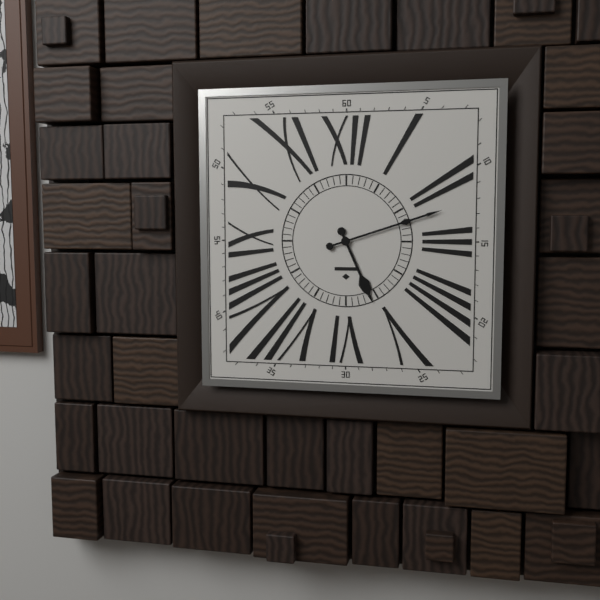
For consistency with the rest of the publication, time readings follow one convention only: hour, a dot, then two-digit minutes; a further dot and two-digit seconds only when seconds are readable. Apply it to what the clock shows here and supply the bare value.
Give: 5.12
